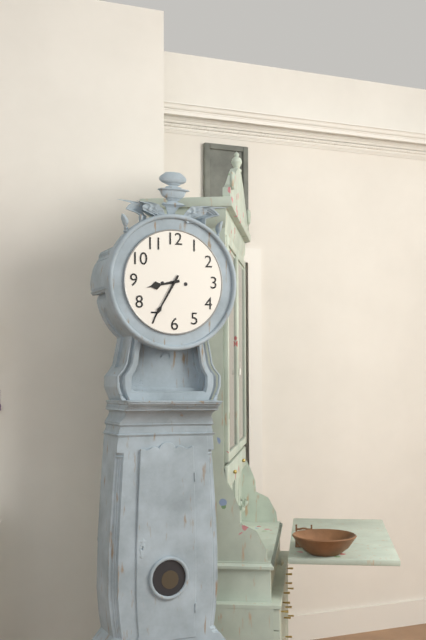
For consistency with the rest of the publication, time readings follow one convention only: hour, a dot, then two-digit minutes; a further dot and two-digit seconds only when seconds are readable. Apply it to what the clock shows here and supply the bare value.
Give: 8.35
